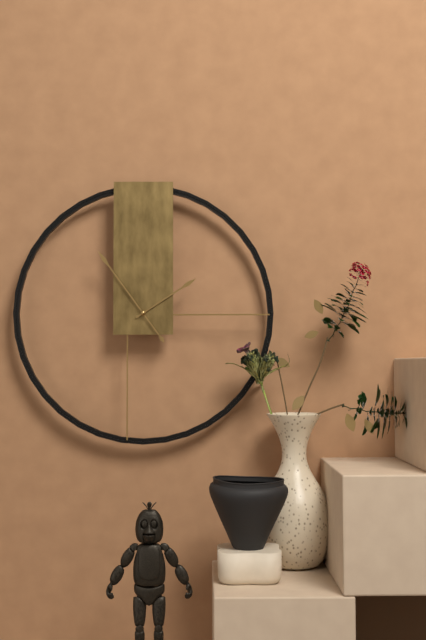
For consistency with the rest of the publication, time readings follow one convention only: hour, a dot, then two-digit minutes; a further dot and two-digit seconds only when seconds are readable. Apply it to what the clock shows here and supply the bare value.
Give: 1.54
